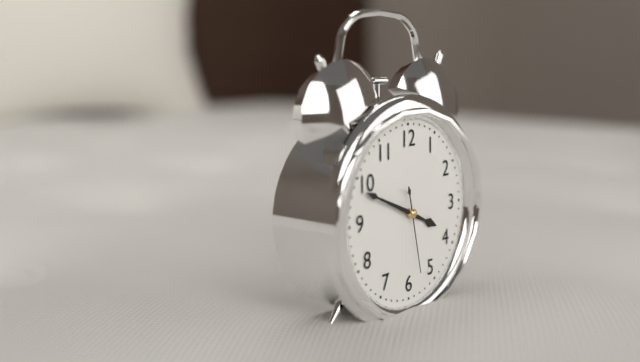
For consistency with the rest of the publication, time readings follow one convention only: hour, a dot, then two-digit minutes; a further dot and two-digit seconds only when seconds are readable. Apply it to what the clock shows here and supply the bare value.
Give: 3.49.28
